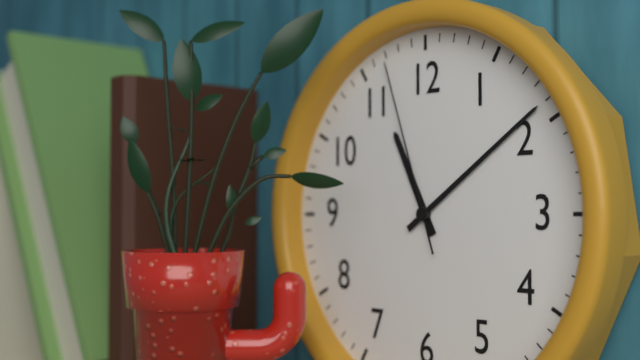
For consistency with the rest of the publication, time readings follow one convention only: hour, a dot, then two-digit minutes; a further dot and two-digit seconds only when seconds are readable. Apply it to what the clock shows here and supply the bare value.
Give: 11.09.57
